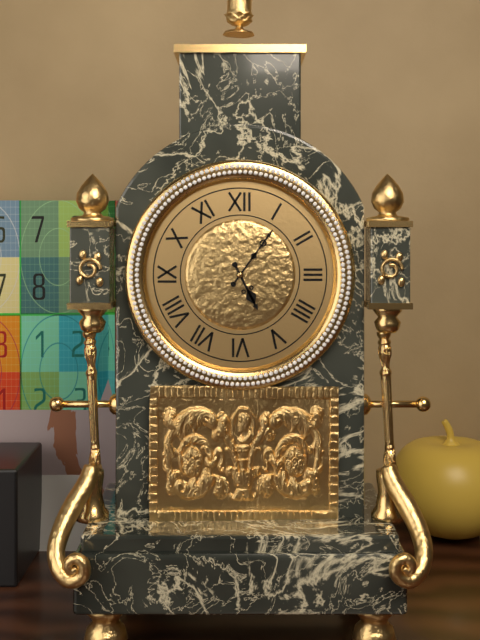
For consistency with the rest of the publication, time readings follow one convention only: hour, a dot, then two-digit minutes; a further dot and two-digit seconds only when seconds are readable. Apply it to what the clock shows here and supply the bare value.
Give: 5.06
